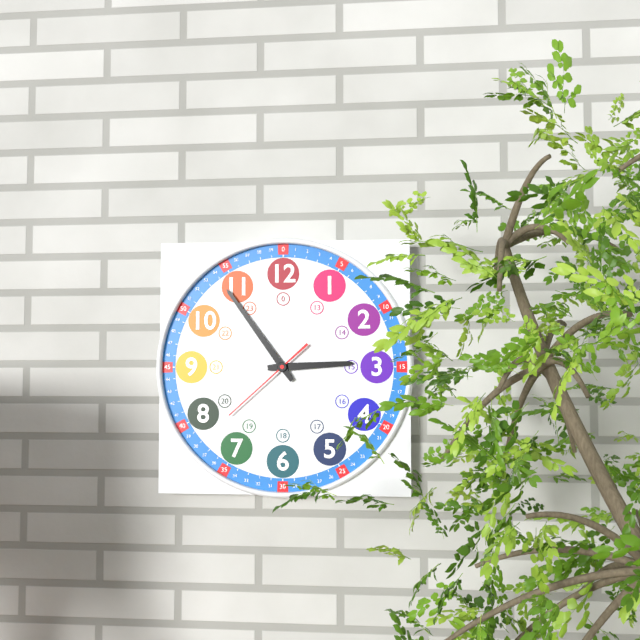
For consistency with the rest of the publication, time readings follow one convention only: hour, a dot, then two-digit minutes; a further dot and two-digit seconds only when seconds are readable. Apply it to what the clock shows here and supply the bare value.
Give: 2.54.38
